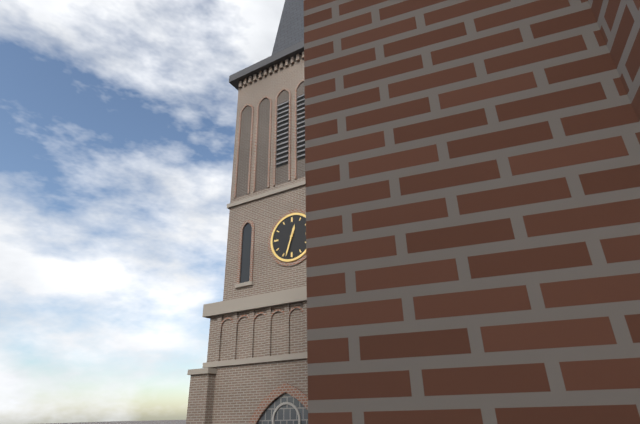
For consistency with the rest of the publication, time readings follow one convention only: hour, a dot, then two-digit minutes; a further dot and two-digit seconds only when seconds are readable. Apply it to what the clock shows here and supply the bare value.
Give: 12.33
